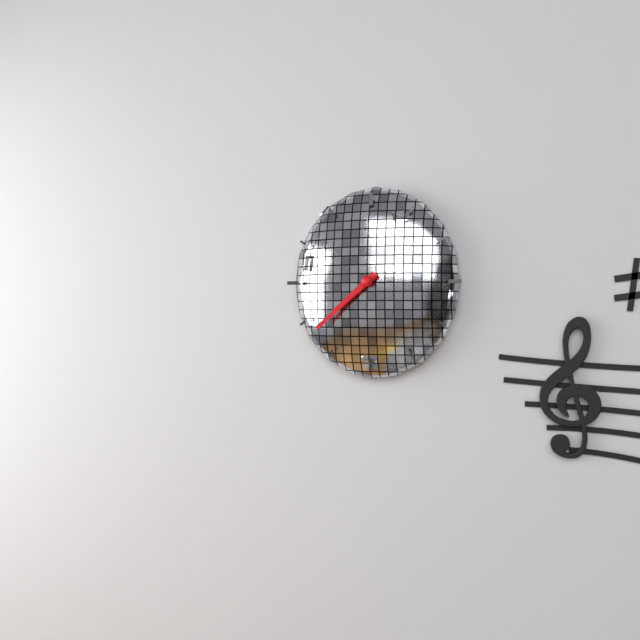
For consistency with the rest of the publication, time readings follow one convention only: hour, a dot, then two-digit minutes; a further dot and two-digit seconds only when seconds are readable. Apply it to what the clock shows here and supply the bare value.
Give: 7.38
